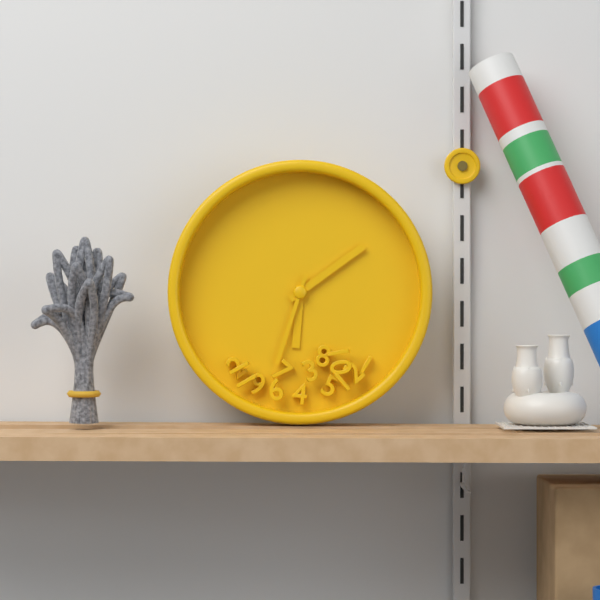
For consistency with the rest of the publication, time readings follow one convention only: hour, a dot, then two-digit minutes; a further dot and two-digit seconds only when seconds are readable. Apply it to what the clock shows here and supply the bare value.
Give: 6.09.33
